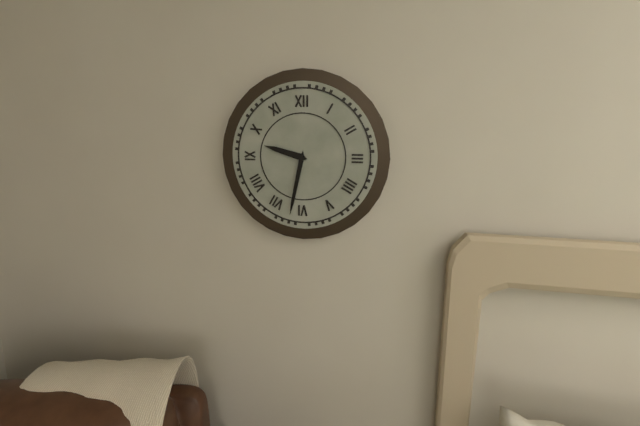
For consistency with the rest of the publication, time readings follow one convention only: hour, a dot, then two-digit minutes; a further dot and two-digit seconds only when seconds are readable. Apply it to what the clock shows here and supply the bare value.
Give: 9.32
